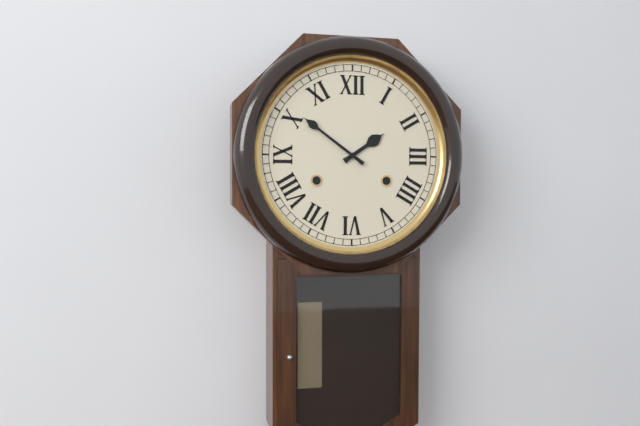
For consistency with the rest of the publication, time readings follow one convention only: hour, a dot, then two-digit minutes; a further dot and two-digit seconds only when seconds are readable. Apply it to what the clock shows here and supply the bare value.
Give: 1.51
